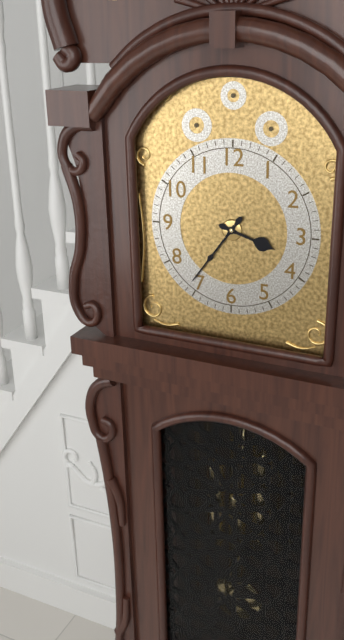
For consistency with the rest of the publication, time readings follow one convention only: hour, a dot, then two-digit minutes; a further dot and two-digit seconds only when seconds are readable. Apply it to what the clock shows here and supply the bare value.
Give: 3.36
